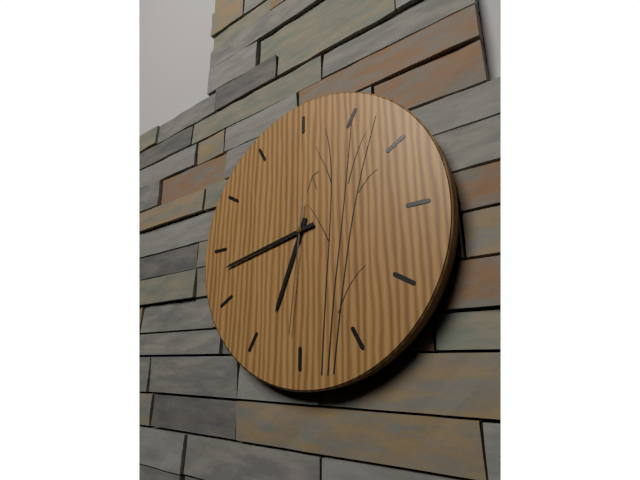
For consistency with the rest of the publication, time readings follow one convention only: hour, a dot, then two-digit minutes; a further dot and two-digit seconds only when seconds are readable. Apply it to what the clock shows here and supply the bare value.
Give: 6.43.31
